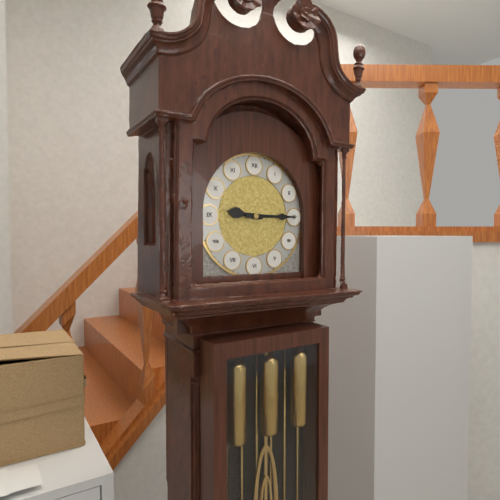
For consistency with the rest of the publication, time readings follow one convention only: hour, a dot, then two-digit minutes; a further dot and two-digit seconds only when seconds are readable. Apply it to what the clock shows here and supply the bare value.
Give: 9.15
